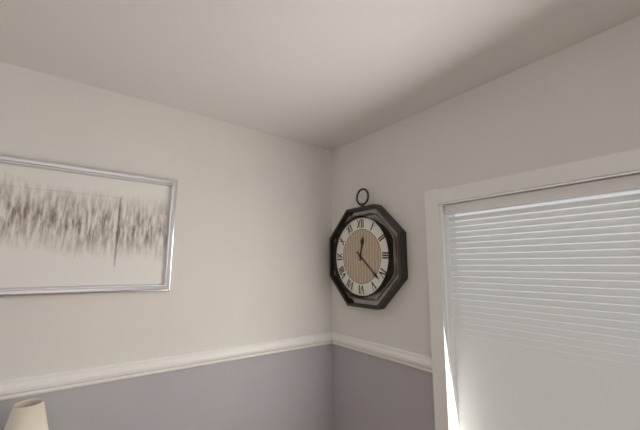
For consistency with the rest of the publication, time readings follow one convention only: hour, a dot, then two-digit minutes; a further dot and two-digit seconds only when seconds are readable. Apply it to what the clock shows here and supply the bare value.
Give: 12.22
